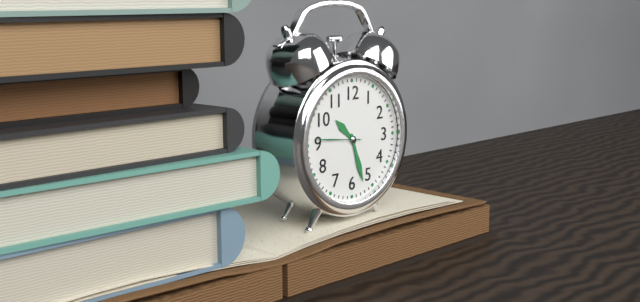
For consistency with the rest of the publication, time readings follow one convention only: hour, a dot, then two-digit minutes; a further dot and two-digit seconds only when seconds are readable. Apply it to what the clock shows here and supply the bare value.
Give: 10.27
